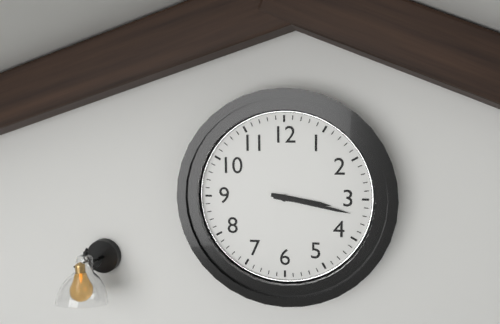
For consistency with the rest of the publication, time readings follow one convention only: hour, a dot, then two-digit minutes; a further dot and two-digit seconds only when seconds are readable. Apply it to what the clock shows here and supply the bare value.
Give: 3.17
